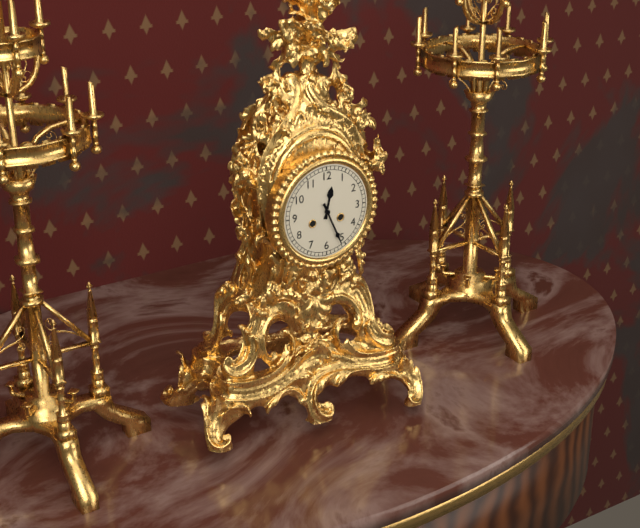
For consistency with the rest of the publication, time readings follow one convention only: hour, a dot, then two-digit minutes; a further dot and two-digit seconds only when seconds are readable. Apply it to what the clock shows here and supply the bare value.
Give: 12.26
